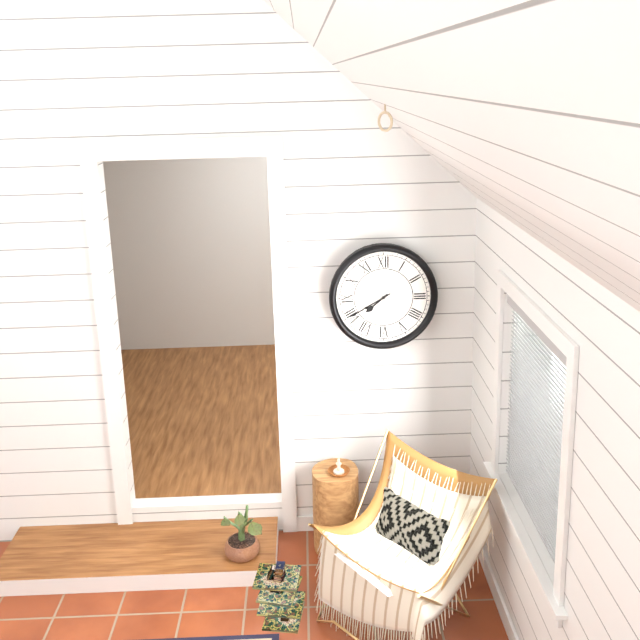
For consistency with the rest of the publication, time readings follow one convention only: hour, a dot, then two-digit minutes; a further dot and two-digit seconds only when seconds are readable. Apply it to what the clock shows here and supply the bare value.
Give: 7.40
